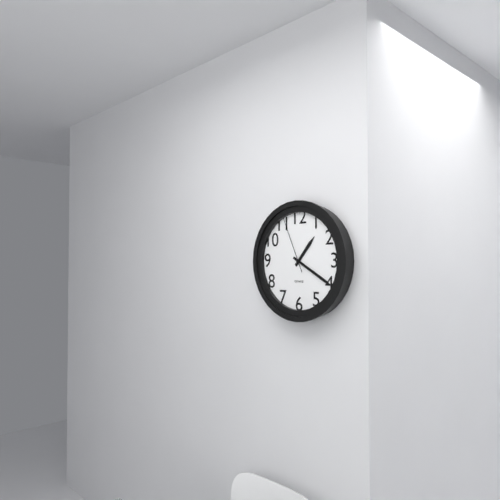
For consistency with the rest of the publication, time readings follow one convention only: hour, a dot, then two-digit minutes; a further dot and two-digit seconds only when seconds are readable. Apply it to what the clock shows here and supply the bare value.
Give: 1.20.56
